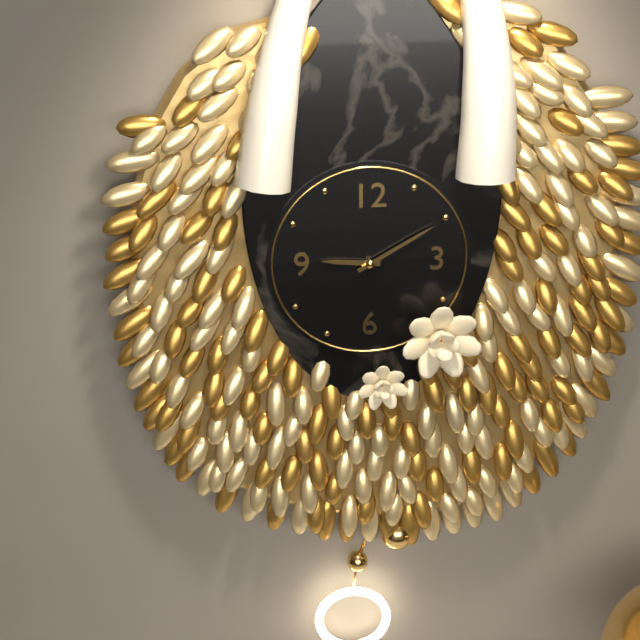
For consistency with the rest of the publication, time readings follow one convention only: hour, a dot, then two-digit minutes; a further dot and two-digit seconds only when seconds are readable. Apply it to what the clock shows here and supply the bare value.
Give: 9.10
